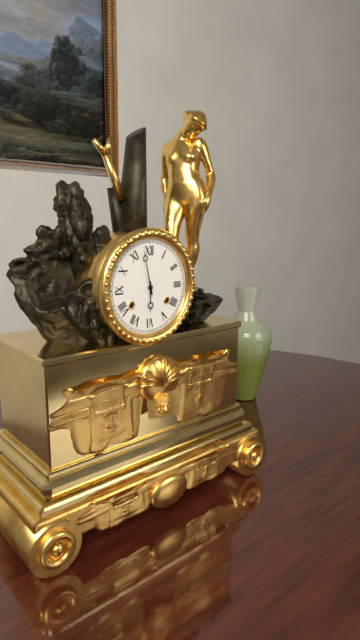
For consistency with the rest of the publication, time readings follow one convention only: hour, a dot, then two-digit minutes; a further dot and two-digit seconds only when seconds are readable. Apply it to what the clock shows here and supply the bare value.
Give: 5.58
